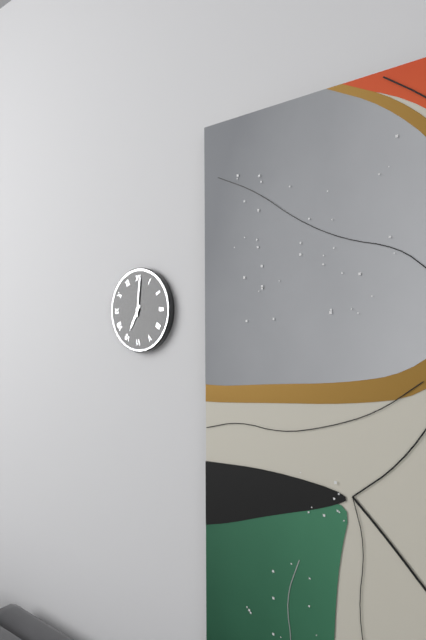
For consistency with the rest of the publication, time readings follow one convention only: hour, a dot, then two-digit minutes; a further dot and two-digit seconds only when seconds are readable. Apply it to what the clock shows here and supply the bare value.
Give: 7.01
